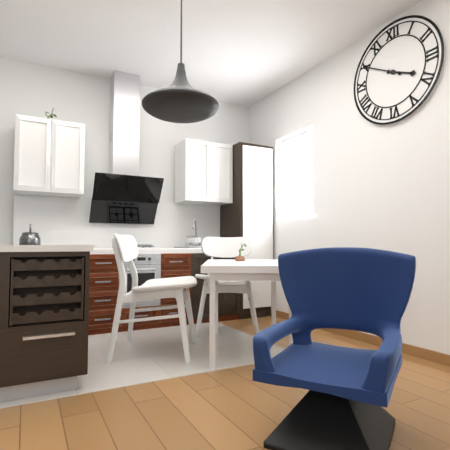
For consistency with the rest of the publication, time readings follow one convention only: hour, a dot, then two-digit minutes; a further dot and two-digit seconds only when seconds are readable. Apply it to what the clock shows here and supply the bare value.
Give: 3.50
